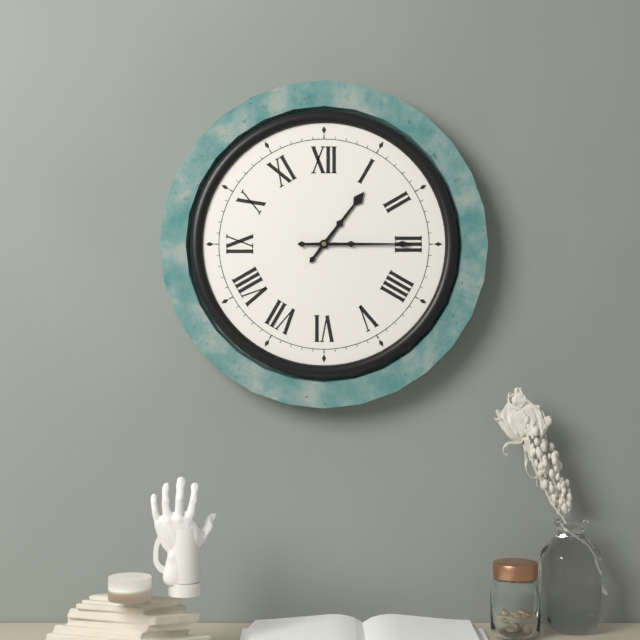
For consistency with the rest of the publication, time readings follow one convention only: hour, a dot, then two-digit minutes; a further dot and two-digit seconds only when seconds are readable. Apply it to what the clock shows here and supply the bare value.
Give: 1.15
